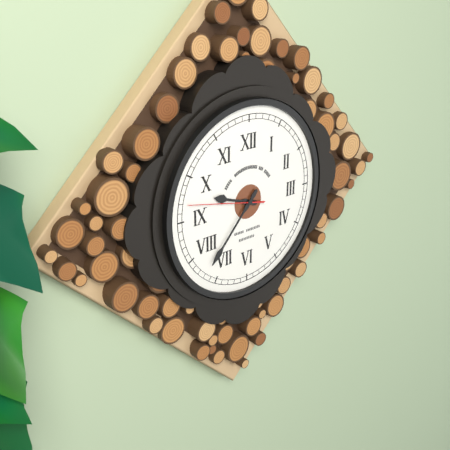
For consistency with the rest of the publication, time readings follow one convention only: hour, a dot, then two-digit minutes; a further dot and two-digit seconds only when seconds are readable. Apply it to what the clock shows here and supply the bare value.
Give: 9.37
